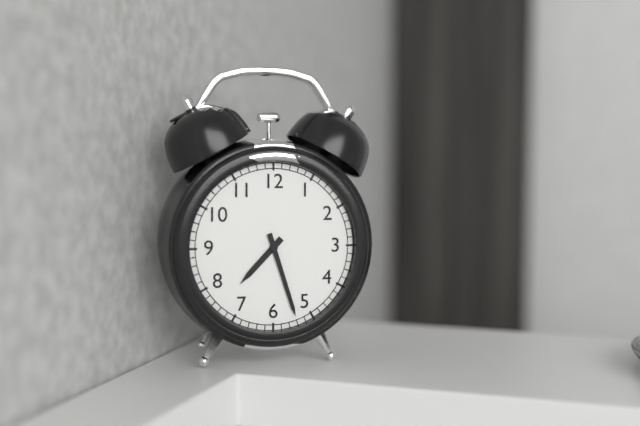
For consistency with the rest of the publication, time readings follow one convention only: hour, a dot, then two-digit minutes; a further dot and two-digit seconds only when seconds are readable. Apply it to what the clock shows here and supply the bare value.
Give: 7.27
